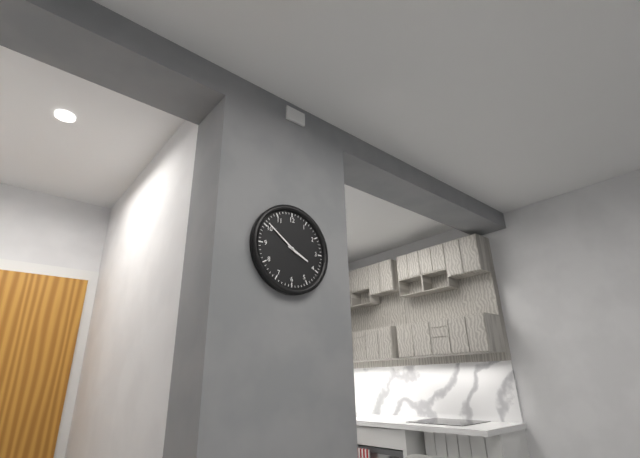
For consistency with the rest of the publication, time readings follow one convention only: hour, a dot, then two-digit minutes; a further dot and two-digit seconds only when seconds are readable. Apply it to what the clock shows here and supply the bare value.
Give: 3.51
